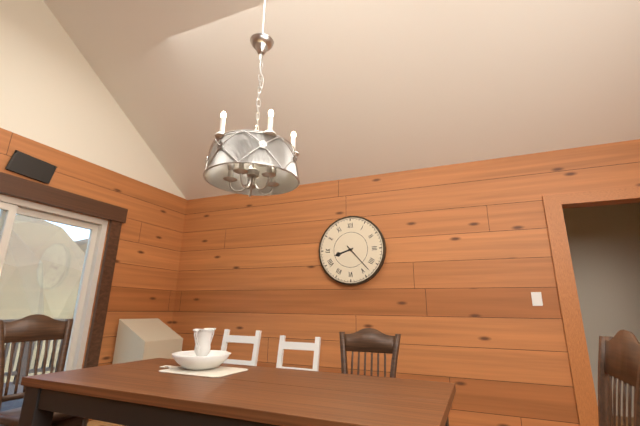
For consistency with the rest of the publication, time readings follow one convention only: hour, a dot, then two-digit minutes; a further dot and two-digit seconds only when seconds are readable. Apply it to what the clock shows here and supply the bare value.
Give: 8.23
